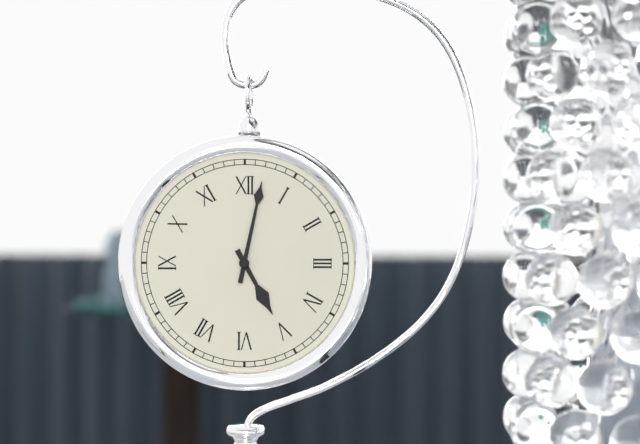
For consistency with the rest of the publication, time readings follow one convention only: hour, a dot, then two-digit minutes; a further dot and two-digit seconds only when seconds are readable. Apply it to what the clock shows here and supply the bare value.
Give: 5.02
